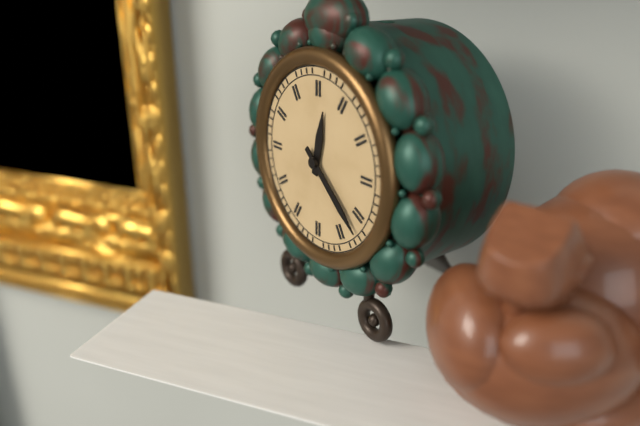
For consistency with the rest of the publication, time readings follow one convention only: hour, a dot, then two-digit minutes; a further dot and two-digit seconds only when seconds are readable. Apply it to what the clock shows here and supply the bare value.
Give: 12.22
